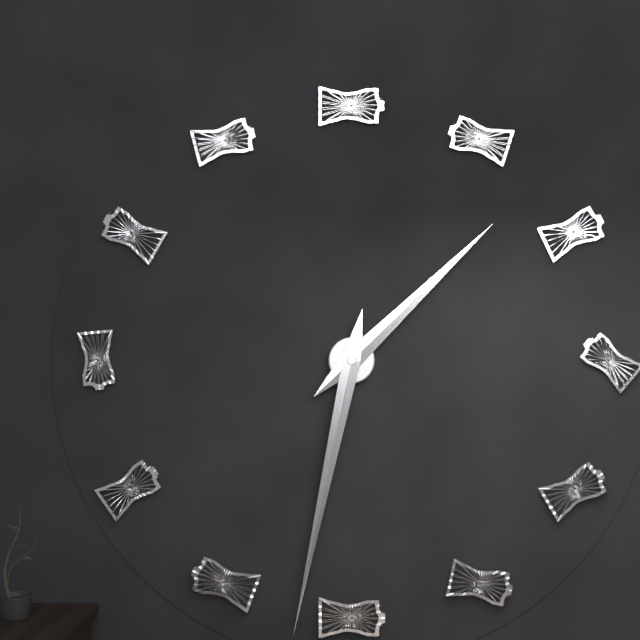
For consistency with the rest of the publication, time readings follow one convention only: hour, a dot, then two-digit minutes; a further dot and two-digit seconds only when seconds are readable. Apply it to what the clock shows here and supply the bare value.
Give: 1.32
